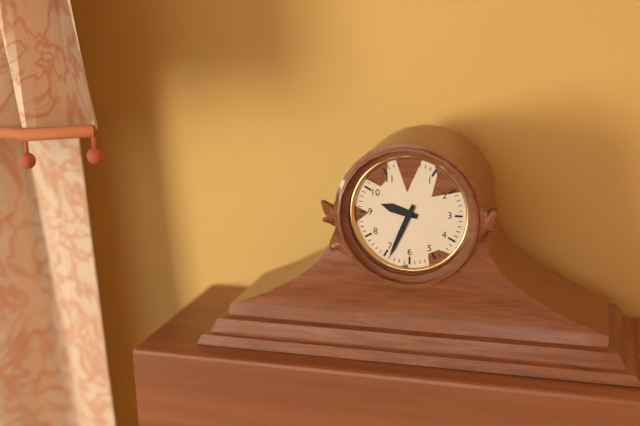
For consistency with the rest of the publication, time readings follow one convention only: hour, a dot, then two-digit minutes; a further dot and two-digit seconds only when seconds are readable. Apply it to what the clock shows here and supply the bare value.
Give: 9.34
